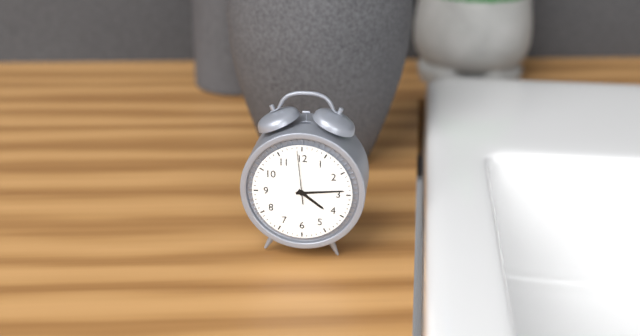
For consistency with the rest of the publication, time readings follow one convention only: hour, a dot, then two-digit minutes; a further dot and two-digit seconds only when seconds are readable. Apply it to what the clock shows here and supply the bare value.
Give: 4.14.59
